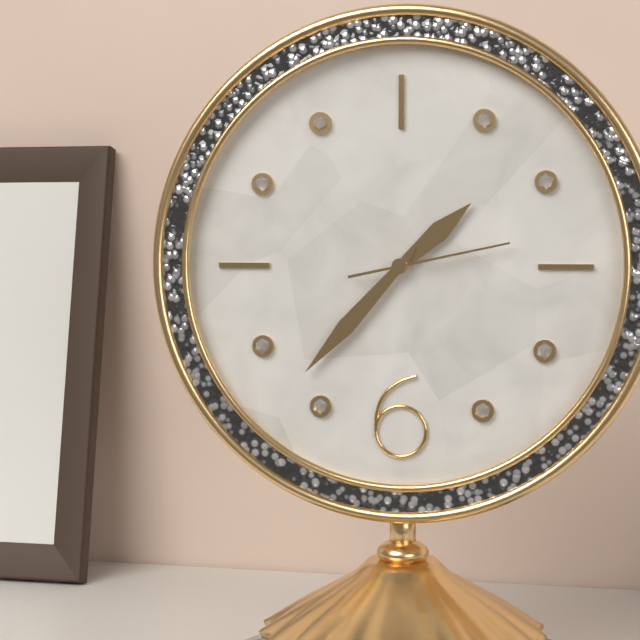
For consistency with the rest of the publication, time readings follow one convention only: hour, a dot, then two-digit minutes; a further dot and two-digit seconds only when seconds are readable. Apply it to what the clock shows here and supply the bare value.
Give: 1.37.13
